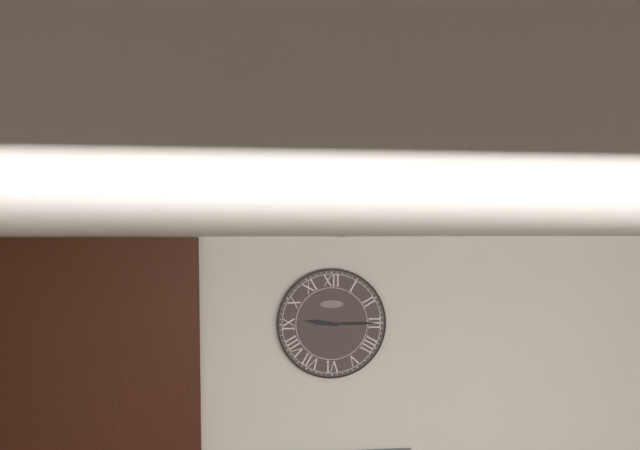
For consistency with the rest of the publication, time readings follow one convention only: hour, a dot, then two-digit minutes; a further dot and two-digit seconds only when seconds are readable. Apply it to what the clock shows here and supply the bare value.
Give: 9.15
